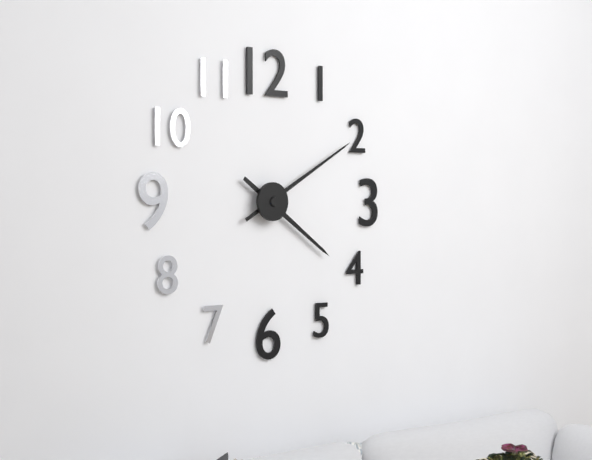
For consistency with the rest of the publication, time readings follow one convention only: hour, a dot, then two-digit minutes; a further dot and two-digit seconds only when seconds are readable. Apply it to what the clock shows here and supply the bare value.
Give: 4.10
